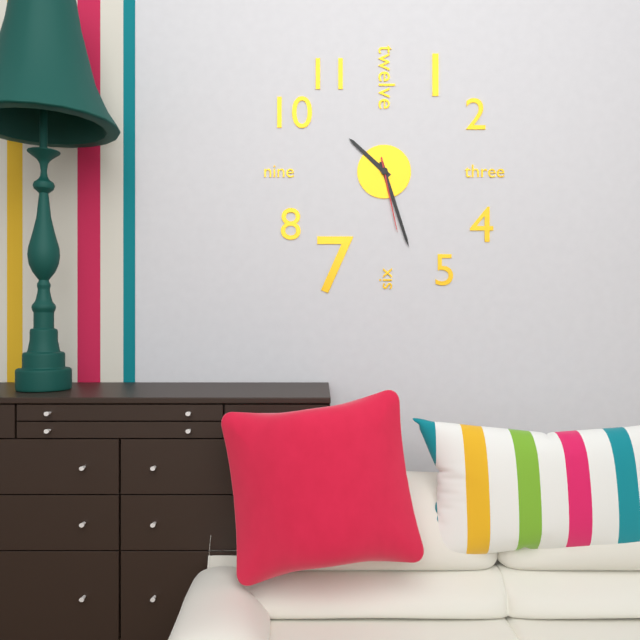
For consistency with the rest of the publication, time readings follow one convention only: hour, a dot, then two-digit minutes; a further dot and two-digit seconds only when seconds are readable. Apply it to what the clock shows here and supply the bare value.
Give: 10.27.28
